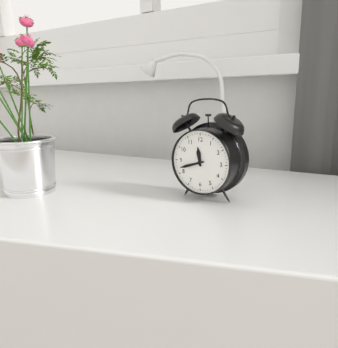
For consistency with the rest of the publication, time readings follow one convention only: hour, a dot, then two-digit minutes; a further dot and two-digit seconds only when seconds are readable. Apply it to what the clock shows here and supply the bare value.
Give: 11.42
